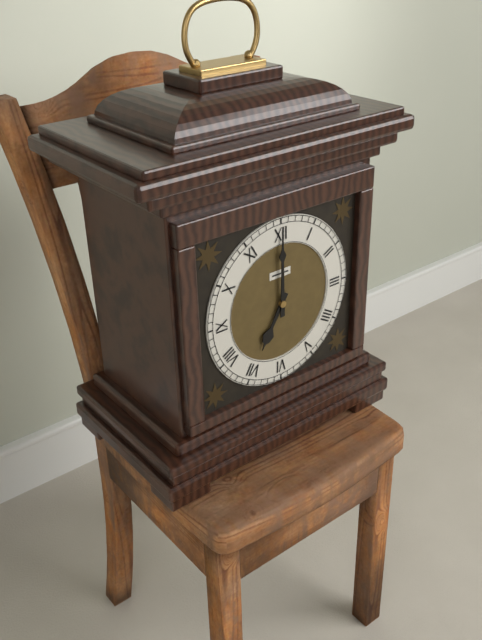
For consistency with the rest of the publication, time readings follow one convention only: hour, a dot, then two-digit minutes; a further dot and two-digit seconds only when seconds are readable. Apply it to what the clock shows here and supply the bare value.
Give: 7.00
